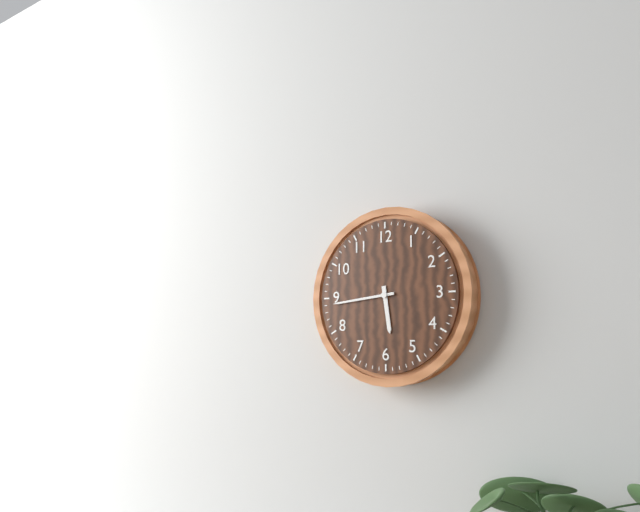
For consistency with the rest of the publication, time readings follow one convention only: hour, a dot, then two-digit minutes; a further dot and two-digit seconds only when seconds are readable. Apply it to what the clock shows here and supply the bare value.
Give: 5.44
